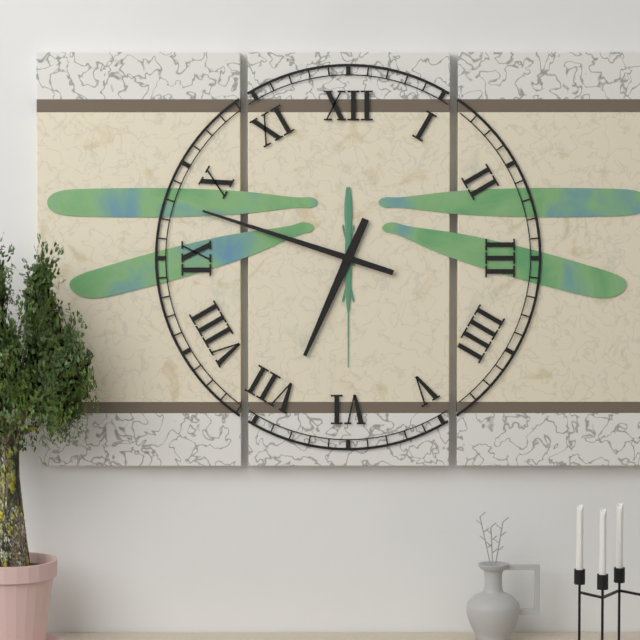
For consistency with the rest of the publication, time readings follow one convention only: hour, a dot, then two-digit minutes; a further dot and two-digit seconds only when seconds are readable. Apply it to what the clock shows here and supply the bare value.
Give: 6.48
